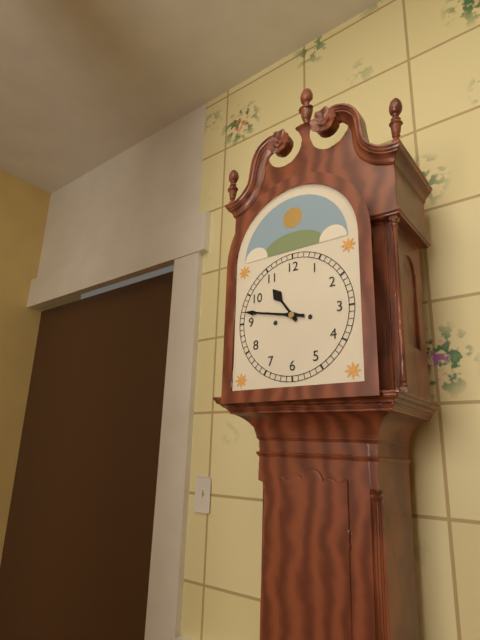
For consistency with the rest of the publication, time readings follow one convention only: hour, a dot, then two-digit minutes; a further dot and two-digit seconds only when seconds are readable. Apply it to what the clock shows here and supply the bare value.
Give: 10.47
